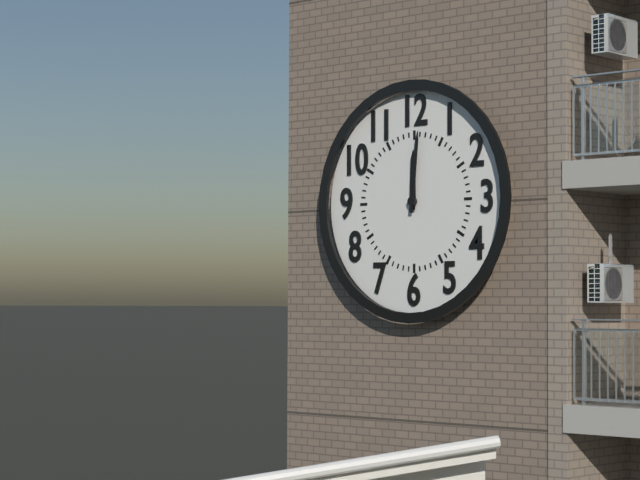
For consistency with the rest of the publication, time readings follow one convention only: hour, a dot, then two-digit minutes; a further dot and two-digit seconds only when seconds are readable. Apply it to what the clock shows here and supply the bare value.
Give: 12.01
